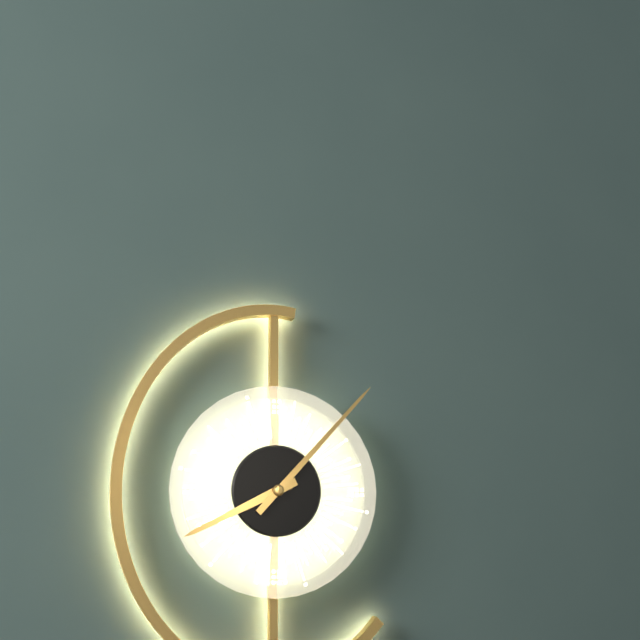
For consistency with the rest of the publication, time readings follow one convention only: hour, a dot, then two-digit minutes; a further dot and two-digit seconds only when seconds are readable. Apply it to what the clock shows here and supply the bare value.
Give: 8.07
